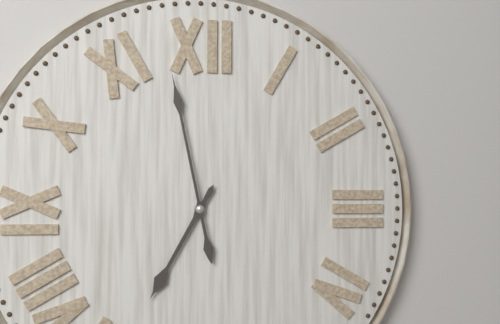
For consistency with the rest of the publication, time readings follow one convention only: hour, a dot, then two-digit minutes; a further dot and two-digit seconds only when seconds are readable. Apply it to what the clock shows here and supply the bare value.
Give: 6.58
